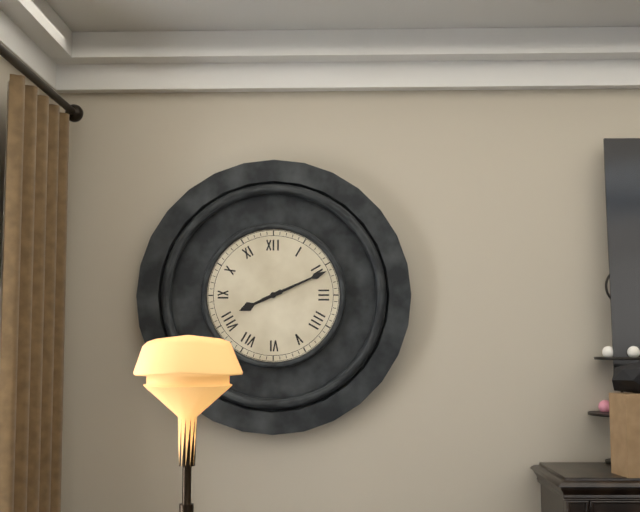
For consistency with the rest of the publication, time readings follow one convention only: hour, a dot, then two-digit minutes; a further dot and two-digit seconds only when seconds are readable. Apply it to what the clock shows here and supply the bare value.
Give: 8.11
